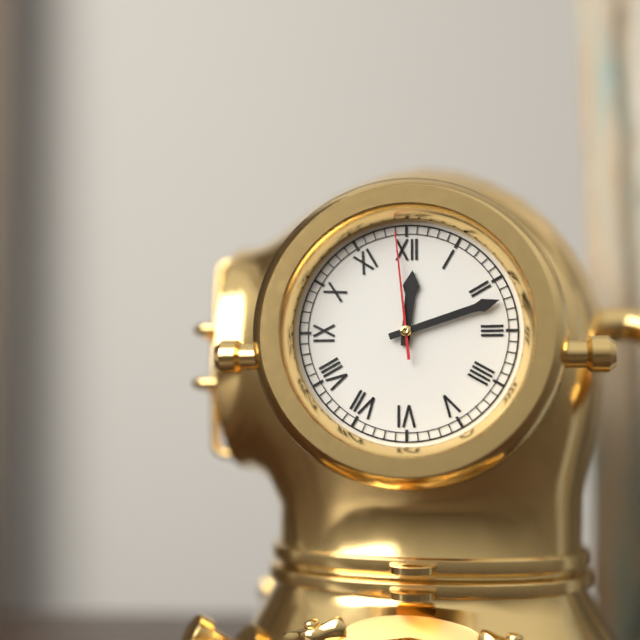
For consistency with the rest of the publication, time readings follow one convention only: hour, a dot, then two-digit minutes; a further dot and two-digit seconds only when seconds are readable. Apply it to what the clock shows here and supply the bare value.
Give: 12.12.59
